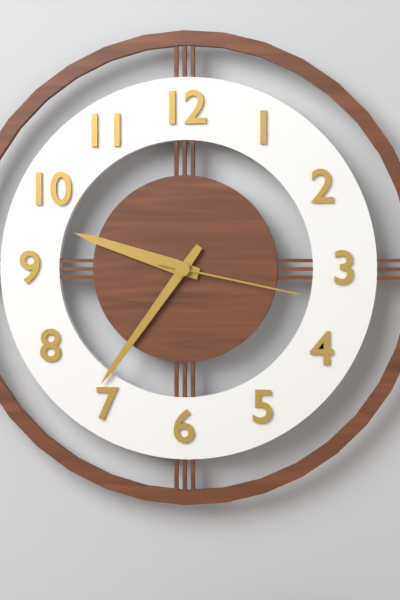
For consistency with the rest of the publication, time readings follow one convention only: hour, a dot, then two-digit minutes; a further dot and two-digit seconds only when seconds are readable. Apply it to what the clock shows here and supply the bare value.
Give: 9.36.17
